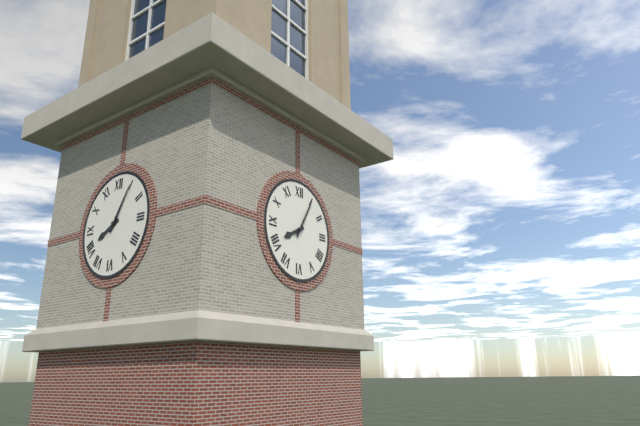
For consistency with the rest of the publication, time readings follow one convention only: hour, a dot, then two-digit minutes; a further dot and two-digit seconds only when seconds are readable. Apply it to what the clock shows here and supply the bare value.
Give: 8.05
